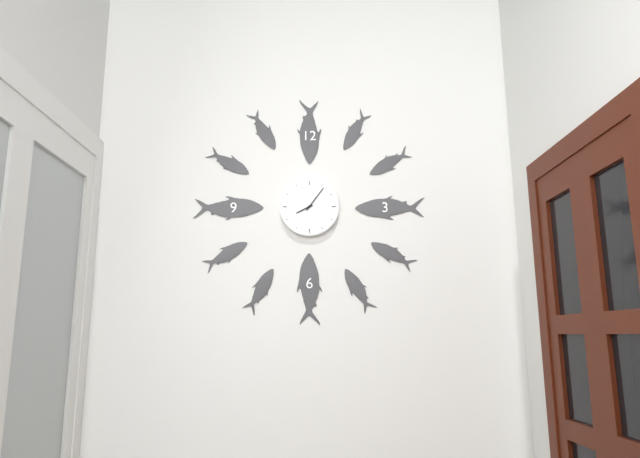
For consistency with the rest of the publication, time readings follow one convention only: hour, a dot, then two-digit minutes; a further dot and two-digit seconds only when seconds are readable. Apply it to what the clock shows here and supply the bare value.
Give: 8.06
